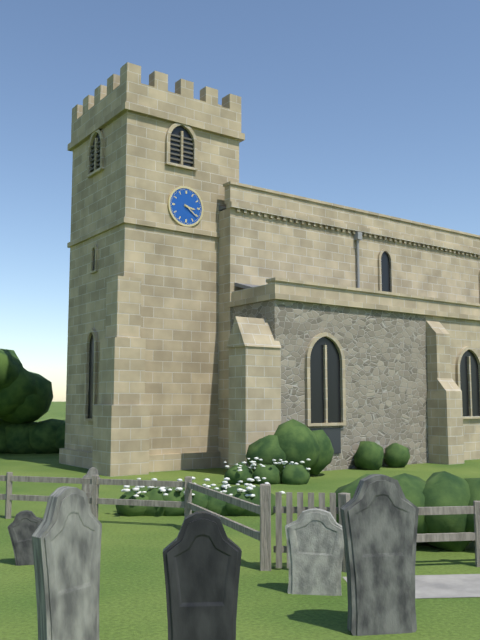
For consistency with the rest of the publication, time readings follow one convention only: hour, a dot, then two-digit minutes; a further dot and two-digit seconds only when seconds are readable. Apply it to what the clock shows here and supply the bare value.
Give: 3.21
